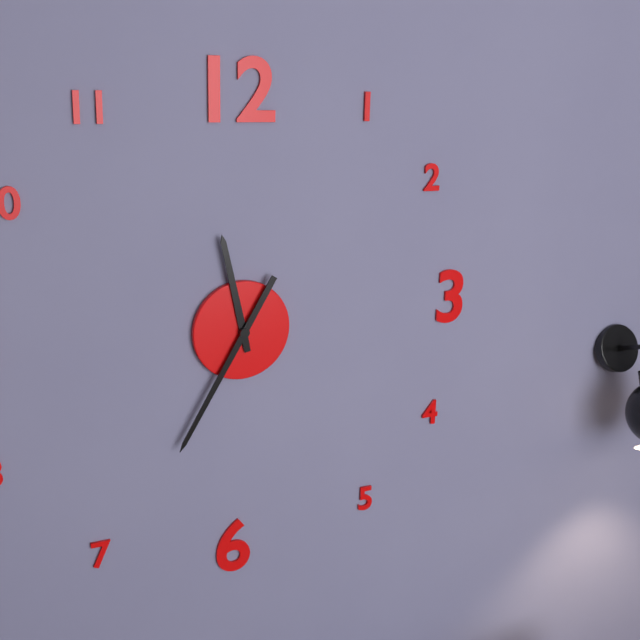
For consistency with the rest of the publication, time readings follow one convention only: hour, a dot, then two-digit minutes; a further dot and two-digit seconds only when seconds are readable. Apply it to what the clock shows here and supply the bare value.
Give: 11.35
